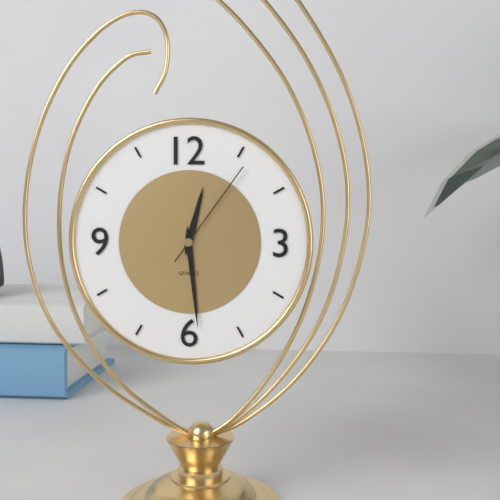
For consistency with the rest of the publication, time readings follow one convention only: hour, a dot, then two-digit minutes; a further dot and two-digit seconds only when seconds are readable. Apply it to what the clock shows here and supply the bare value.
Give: 12.29.06
